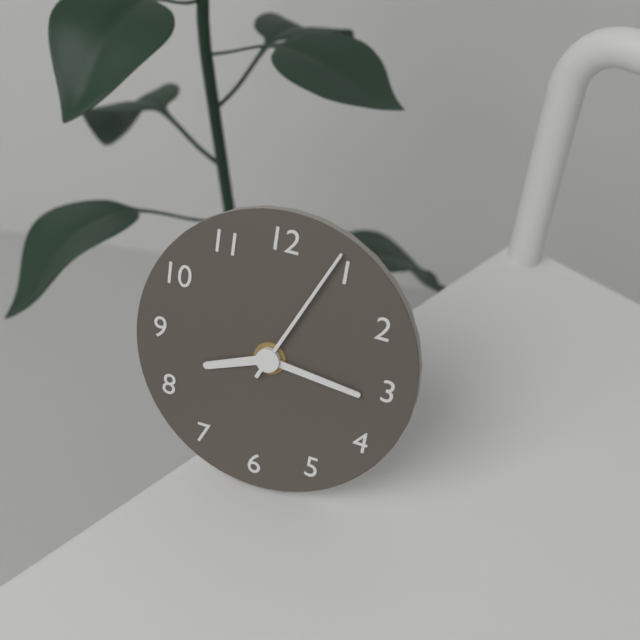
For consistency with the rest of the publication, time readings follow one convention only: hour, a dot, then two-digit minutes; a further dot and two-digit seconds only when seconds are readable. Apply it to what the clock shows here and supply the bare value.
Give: 8.16.04
